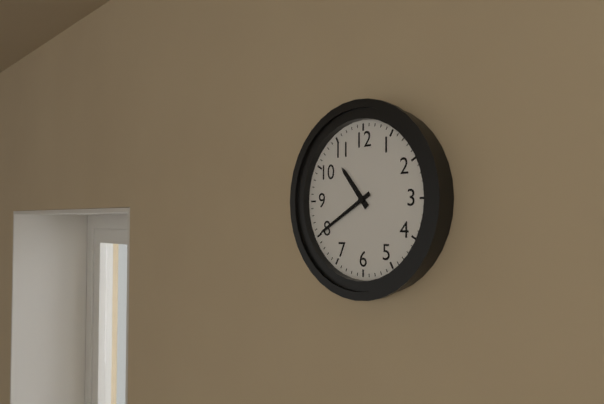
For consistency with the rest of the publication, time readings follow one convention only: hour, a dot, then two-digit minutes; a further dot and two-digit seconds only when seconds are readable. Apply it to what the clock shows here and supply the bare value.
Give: 10.40
